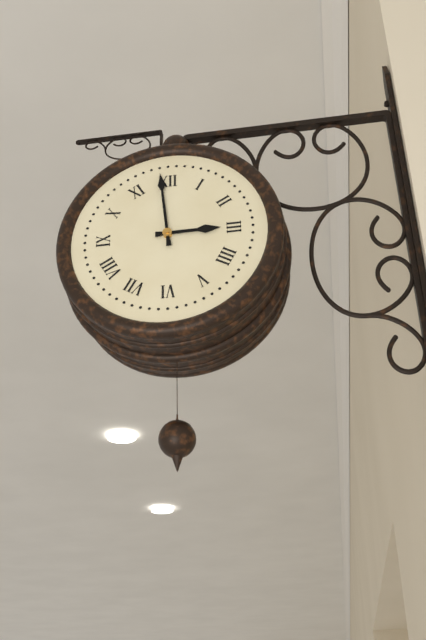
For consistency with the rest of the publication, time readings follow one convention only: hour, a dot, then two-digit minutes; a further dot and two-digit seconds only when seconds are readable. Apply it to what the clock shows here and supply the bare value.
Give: 2.59
